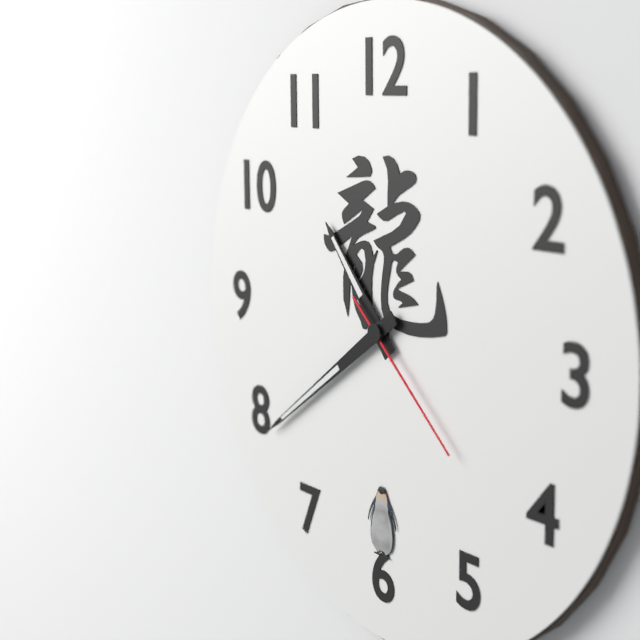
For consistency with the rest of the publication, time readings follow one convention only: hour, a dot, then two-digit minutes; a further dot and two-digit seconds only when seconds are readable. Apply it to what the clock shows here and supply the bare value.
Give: 10.39.22
